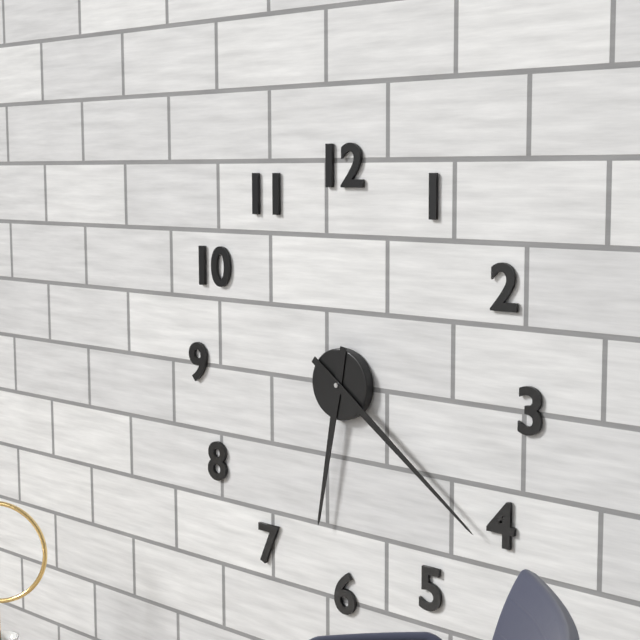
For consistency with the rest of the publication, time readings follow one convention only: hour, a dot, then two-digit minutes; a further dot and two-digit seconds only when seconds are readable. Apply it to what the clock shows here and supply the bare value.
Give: 6.21
